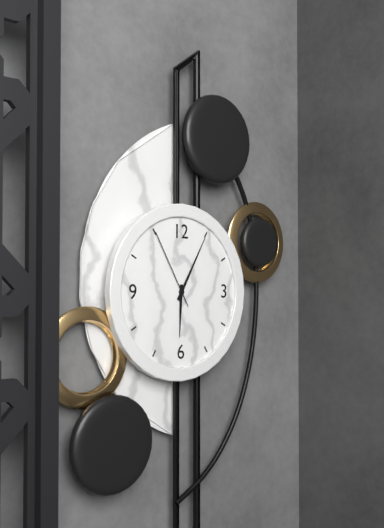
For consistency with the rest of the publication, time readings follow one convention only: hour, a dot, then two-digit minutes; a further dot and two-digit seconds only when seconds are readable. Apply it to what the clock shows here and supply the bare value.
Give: 6.05.55
